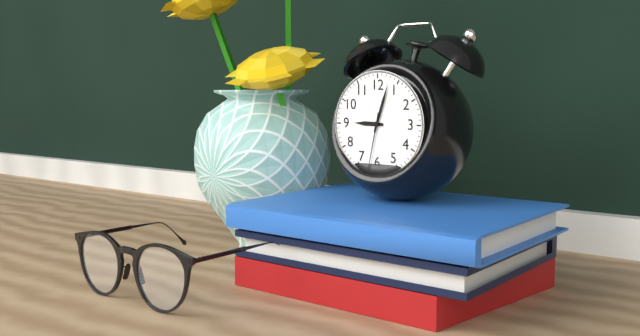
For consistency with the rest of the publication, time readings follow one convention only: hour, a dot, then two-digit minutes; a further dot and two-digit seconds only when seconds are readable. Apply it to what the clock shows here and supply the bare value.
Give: 9.03.32
